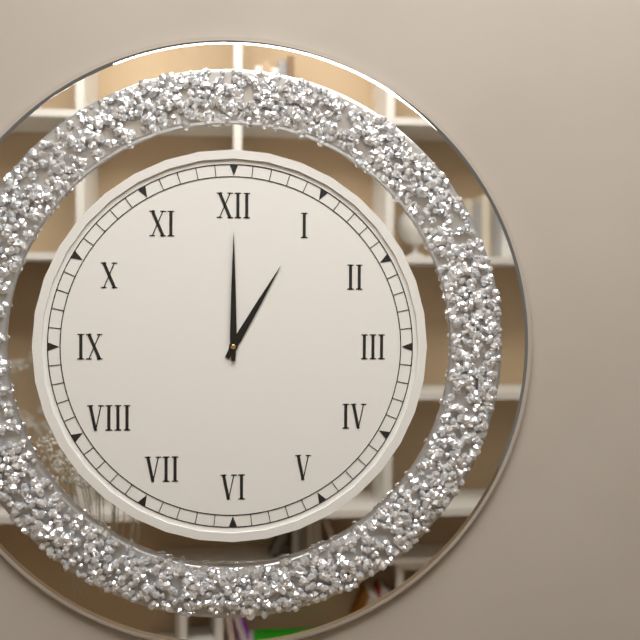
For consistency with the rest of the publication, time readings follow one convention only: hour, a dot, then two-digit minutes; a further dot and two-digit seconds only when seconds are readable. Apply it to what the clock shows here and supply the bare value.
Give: 1.00
